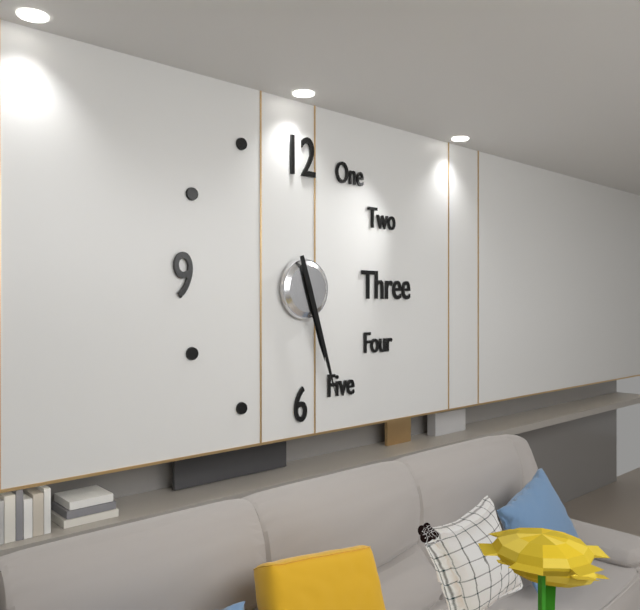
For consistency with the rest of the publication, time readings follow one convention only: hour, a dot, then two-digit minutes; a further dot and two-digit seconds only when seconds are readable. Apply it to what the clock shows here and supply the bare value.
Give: 5.27
